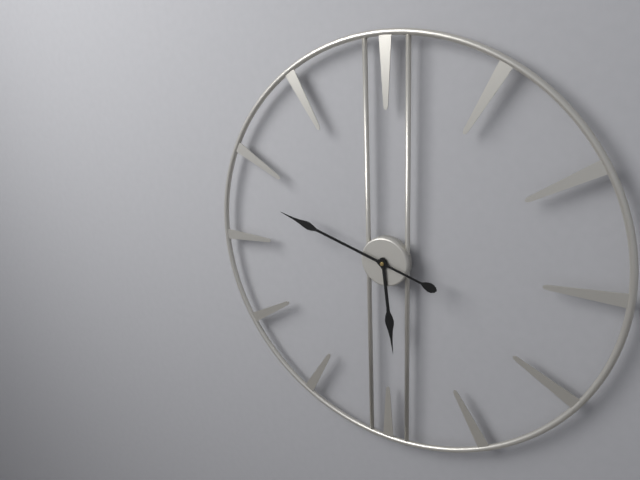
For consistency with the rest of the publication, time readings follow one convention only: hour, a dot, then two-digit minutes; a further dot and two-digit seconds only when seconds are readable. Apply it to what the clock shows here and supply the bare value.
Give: 5.48
